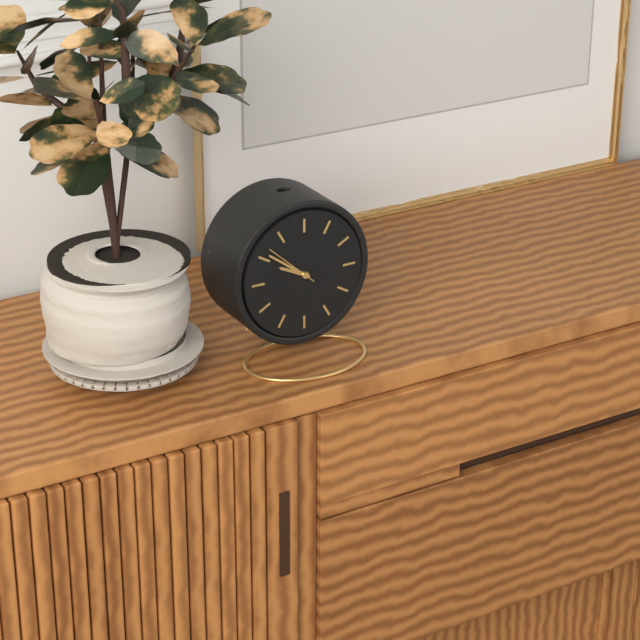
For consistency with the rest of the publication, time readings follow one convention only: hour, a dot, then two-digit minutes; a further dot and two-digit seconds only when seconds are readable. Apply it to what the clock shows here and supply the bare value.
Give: 9.51.52
